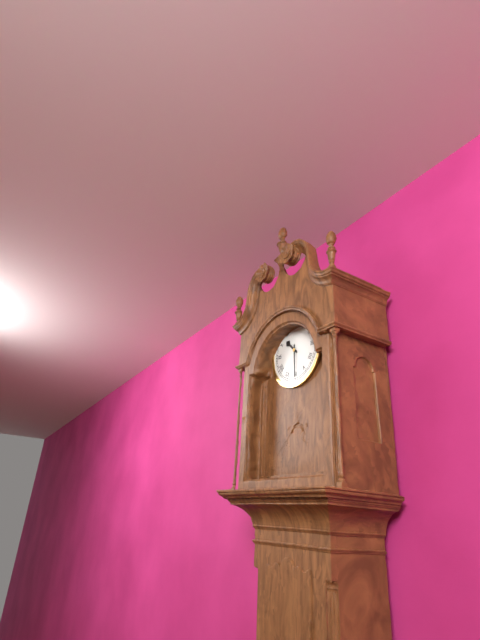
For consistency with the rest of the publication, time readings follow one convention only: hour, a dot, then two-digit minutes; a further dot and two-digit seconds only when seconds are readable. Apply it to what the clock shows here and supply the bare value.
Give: 10.30
